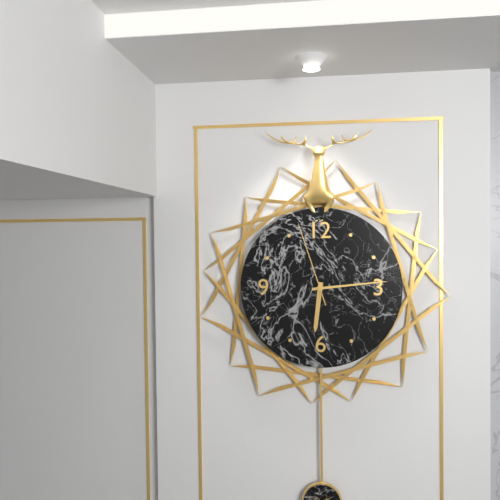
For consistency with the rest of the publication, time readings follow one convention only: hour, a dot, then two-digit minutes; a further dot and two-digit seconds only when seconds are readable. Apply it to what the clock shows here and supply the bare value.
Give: 6.14.57
